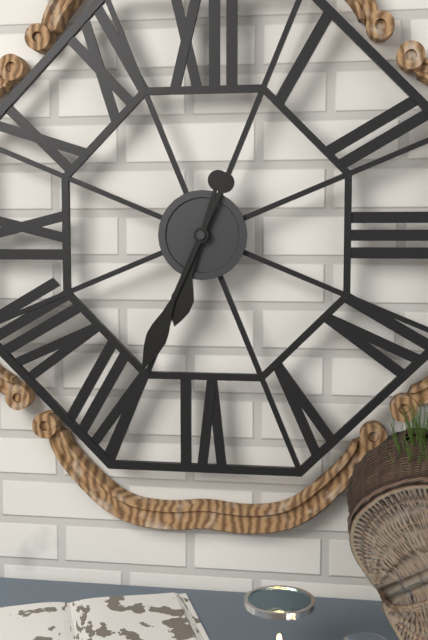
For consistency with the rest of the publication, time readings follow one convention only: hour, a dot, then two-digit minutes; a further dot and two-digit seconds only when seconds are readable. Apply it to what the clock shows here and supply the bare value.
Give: 6.34
